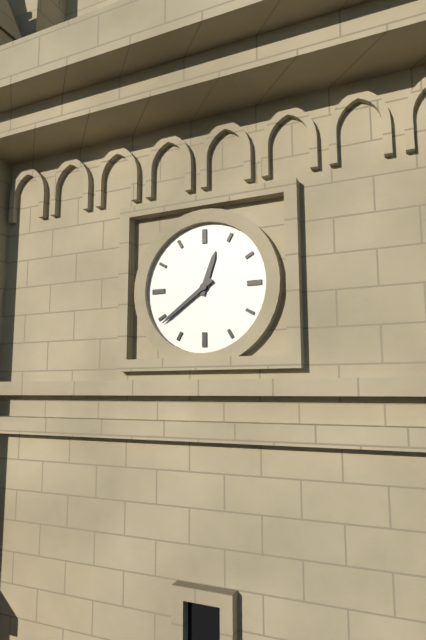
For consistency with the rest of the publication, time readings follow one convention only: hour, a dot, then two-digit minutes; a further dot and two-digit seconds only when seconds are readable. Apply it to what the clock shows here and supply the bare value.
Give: 12.39
